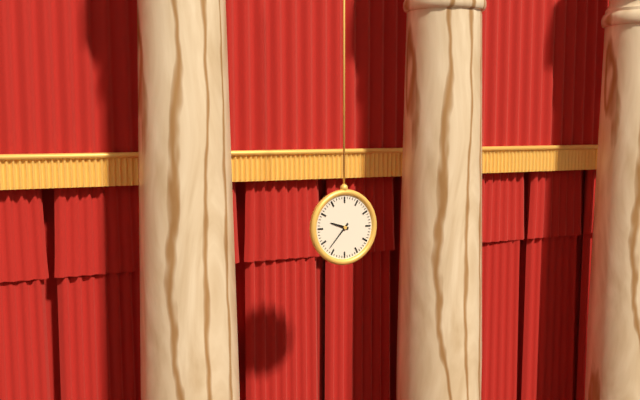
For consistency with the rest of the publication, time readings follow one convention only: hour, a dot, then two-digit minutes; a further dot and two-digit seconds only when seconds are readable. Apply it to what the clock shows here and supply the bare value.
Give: 9.37
